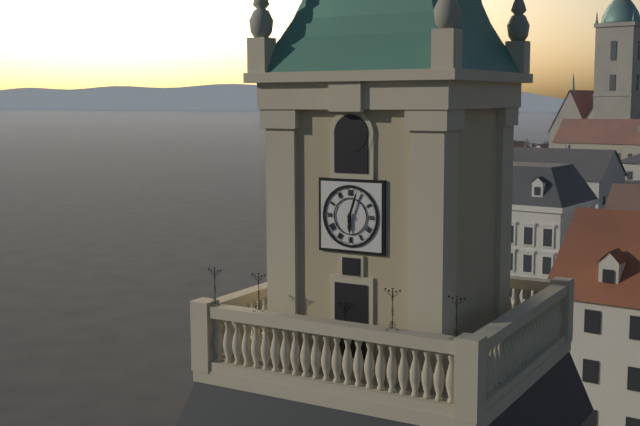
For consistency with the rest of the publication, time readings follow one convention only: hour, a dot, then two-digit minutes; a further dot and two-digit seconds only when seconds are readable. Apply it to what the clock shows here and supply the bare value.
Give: 6.03
